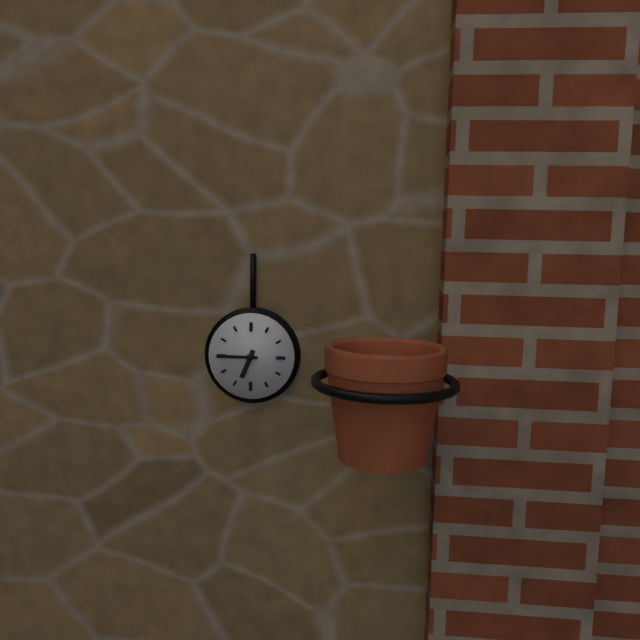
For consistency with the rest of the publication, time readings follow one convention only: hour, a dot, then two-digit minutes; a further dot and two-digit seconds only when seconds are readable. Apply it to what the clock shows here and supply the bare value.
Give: 6.45
